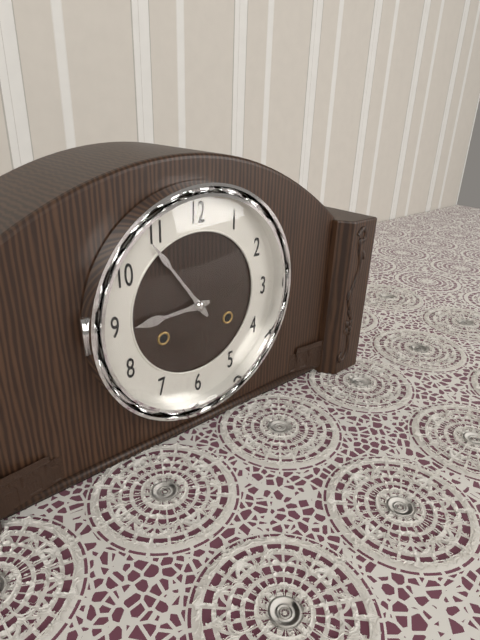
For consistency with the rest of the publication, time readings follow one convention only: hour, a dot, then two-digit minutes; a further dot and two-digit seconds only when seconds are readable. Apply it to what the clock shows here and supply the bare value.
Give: 8.54
